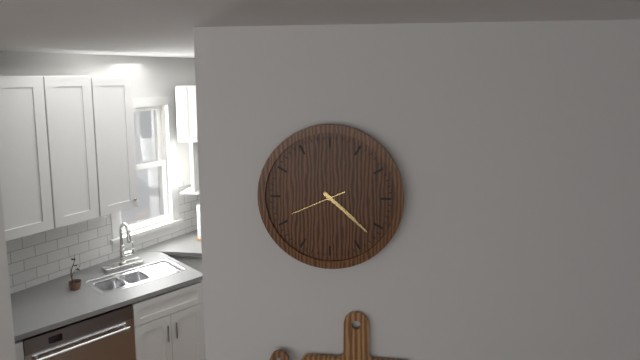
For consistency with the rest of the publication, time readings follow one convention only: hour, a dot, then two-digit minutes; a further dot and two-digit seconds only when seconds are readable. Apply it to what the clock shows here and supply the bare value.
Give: 4.22.41
